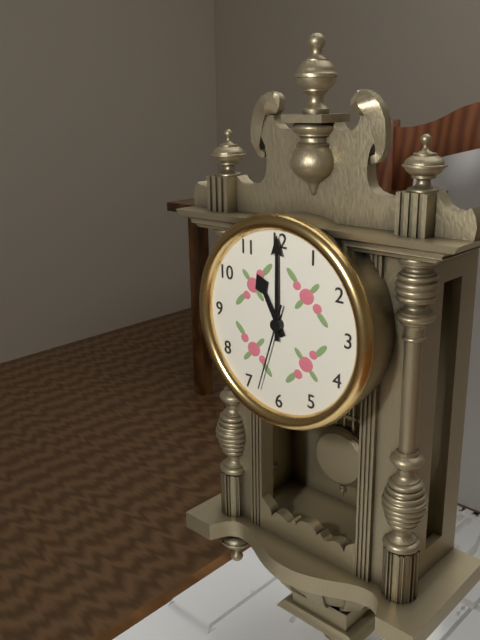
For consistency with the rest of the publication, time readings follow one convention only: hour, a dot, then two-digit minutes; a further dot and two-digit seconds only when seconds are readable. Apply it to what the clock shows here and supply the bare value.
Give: 11.00.33
